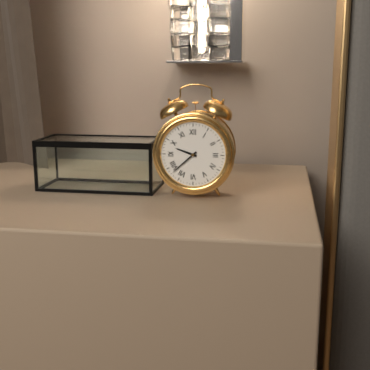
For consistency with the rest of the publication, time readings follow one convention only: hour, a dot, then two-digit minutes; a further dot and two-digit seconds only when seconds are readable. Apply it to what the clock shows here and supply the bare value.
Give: 9.38
